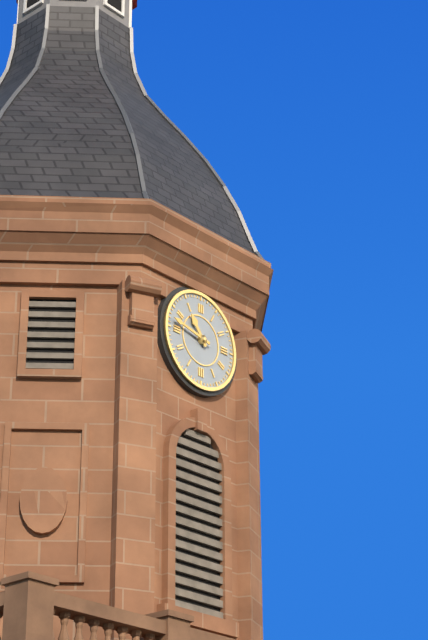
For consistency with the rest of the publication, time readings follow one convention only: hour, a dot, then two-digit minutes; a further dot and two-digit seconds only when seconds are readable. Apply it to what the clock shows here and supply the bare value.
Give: 10.47
